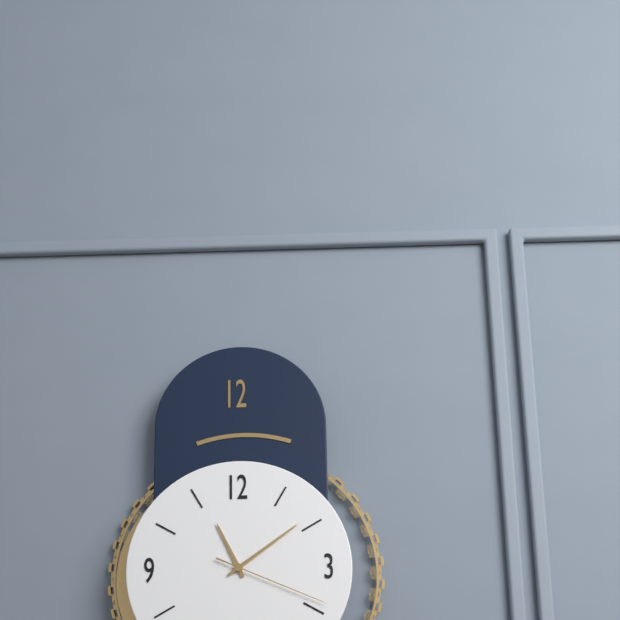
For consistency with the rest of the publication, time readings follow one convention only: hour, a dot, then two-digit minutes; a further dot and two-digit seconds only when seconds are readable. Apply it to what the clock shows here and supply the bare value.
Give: 11.09.19
